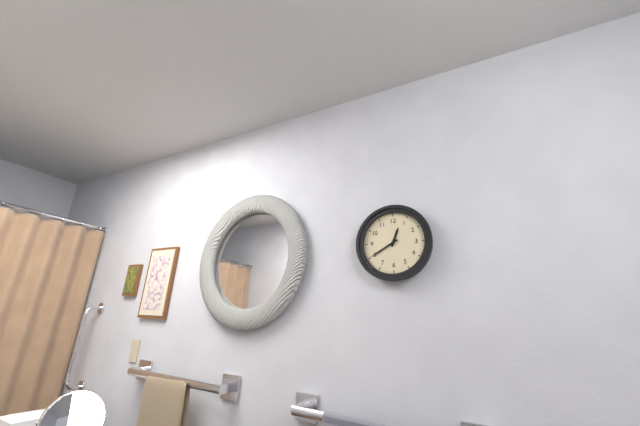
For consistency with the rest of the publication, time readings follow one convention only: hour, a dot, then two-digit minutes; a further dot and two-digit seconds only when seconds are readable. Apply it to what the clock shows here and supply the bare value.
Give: 12.40
